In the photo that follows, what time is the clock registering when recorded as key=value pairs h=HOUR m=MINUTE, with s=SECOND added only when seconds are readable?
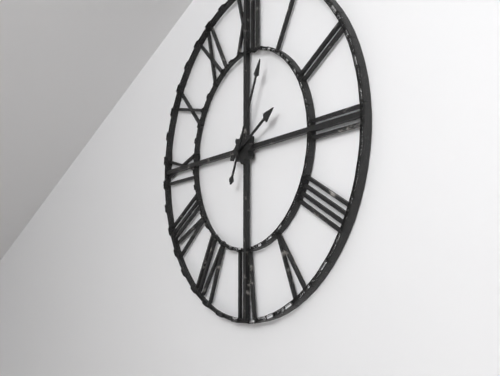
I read h=2 m=4
